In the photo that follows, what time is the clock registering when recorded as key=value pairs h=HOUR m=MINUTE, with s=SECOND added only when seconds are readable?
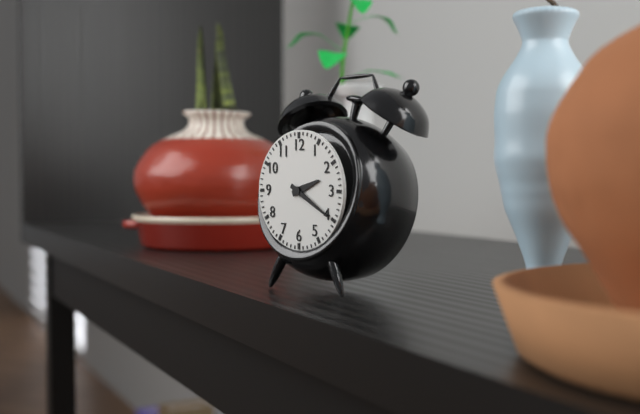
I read h=2 m=20
